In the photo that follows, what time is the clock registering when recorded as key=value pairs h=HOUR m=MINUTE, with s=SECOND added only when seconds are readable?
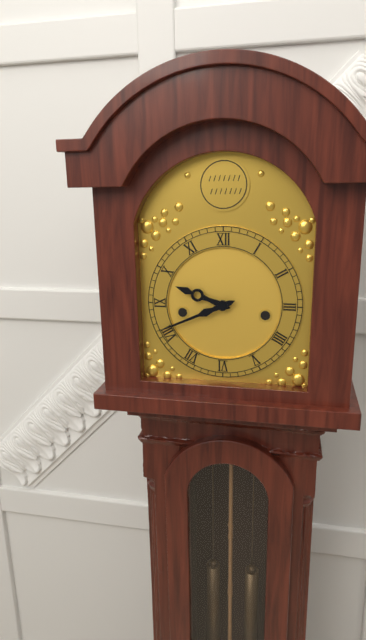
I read h=9 m=41
